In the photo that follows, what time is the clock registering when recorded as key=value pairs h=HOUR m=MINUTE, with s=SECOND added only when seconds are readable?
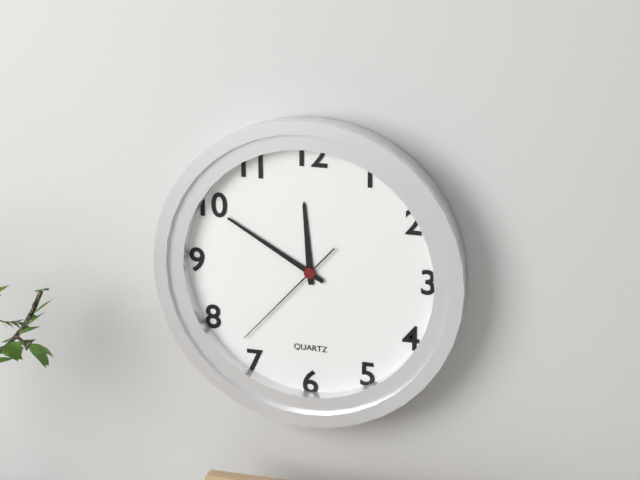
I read h=11 m=50 s=37
